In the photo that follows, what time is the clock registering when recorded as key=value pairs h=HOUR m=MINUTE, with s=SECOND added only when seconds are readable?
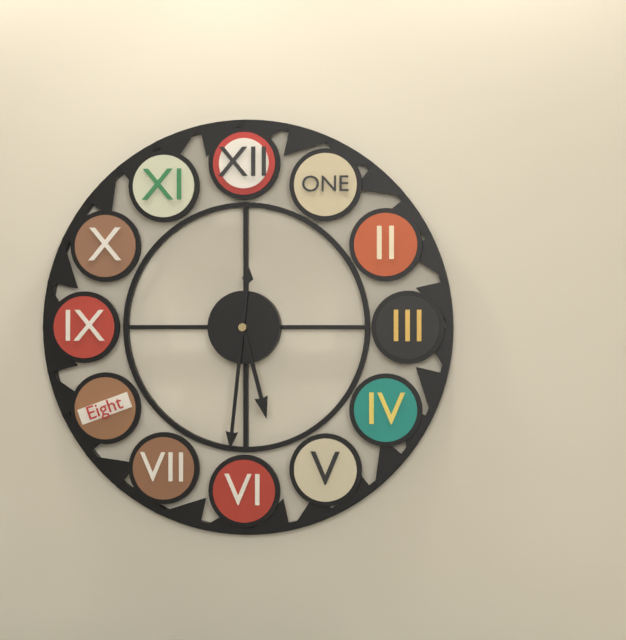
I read h=5 m=31
